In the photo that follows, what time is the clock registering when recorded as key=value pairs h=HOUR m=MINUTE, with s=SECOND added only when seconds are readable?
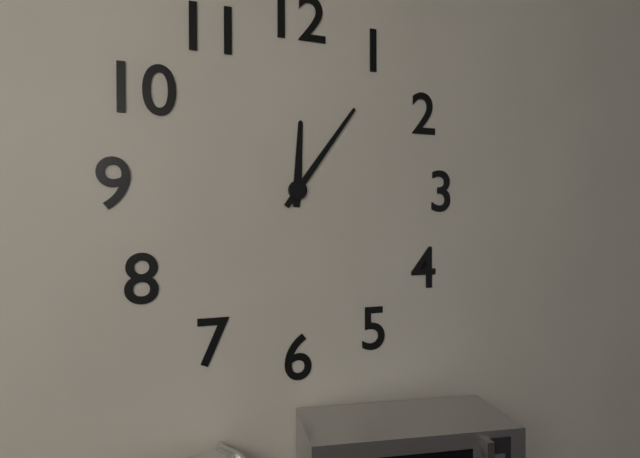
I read h=12 m=6
